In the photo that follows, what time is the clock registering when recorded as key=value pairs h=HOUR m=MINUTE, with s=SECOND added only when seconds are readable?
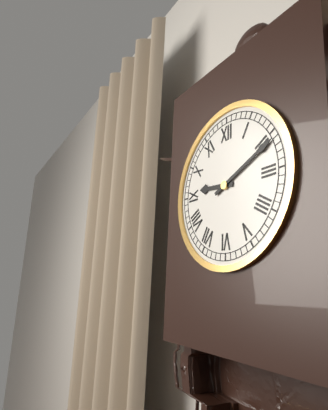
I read h=9 m=11
